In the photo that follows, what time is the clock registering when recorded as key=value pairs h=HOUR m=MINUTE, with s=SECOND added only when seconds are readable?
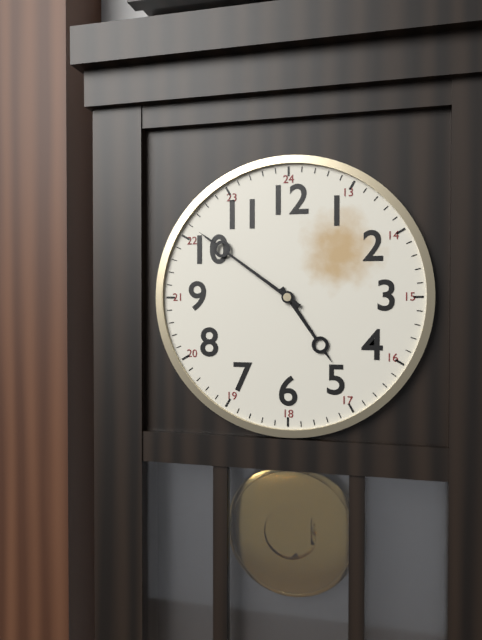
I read h=4 m=51
